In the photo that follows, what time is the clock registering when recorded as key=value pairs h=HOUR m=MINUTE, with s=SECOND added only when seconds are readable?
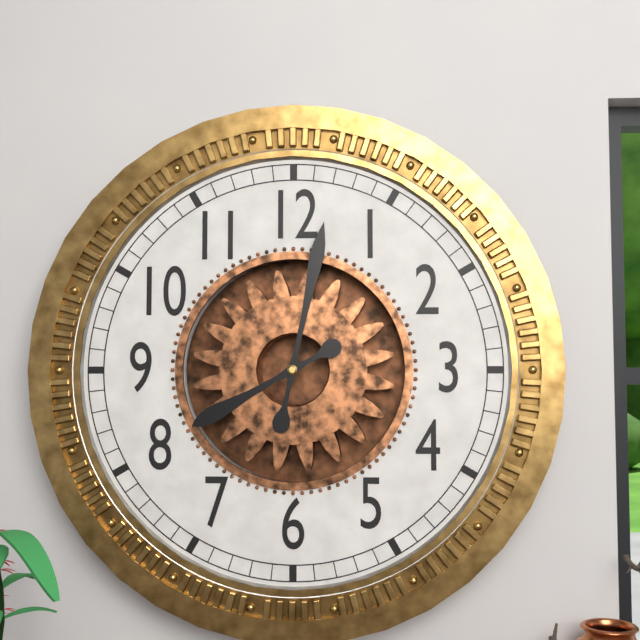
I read h=8 m=2
